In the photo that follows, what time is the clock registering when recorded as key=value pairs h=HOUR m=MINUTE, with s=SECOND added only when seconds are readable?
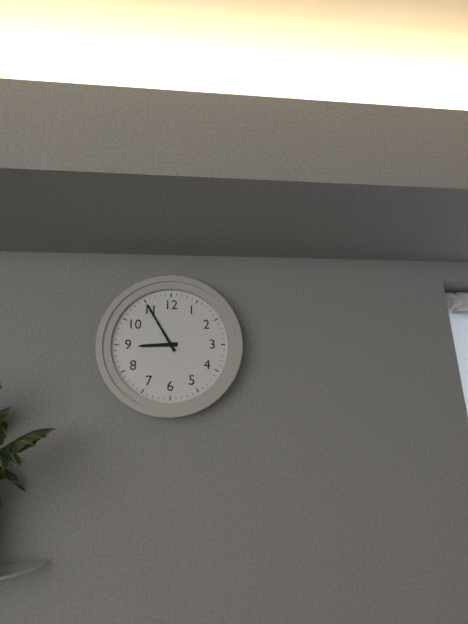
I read h=8 m=55
